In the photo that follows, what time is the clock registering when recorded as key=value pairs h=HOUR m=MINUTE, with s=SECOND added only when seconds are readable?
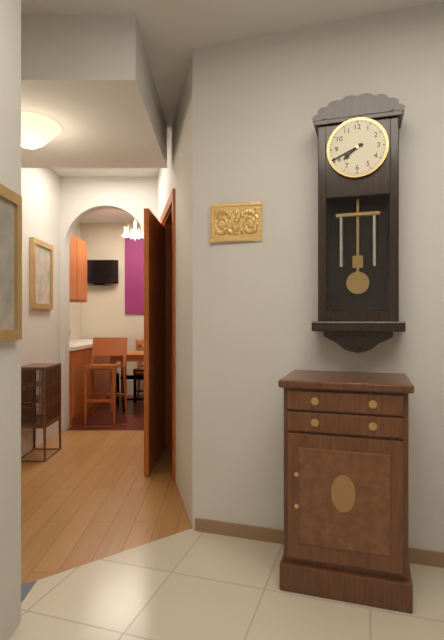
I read h=7 m=41
